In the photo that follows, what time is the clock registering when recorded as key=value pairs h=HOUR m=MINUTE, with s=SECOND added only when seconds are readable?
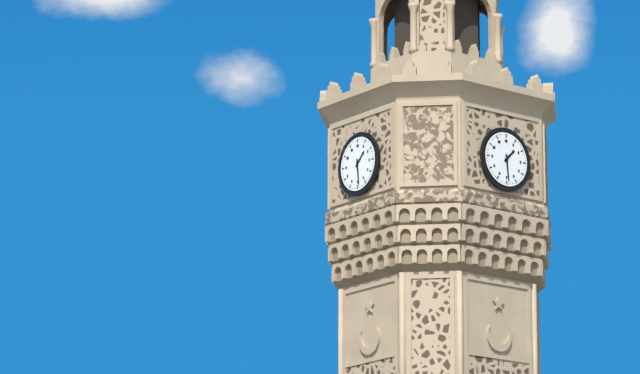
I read h=1 m=29
